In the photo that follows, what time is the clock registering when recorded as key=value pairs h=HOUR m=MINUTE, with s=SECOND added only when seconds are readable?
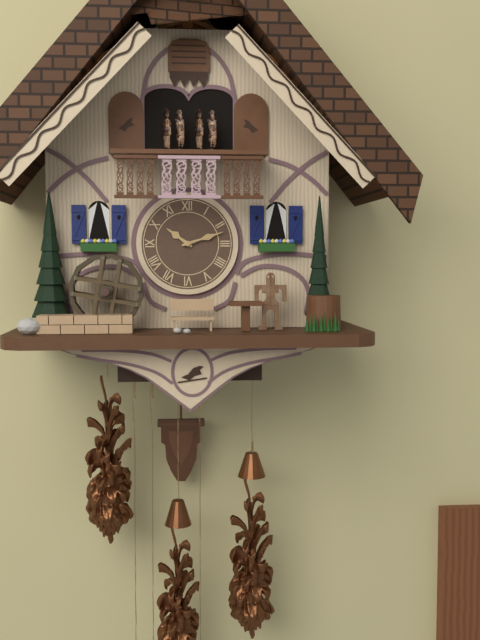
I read h=10 m=12
